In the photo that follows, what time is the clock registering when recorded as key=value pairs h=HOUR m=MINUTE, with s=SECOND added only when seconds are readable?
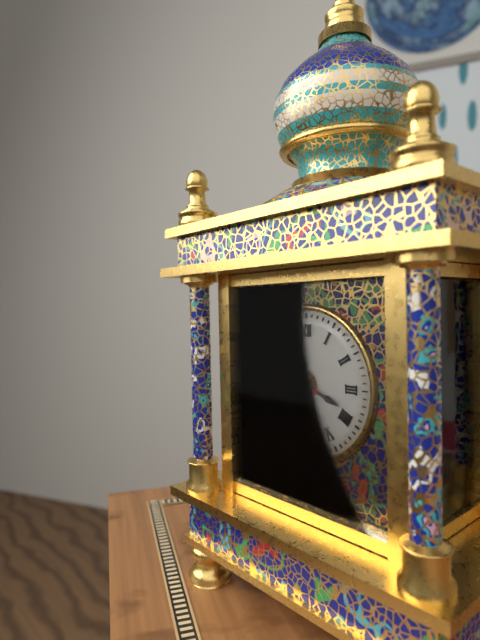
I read h=3 m=42 s=48
